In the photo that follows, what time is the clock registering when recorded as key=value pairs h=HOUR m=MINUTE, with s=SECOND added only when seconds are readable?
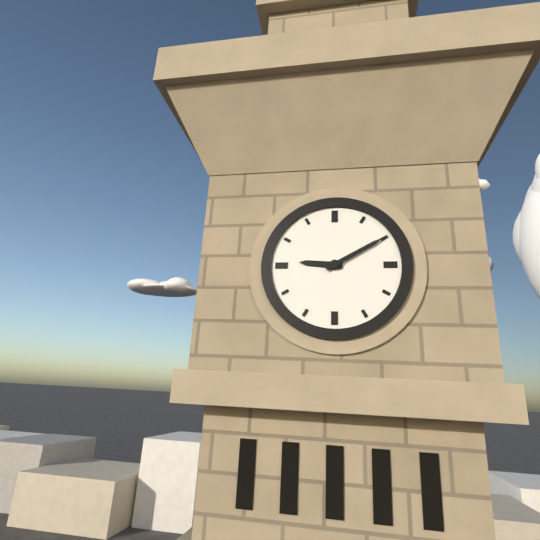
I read h=9 m=10
